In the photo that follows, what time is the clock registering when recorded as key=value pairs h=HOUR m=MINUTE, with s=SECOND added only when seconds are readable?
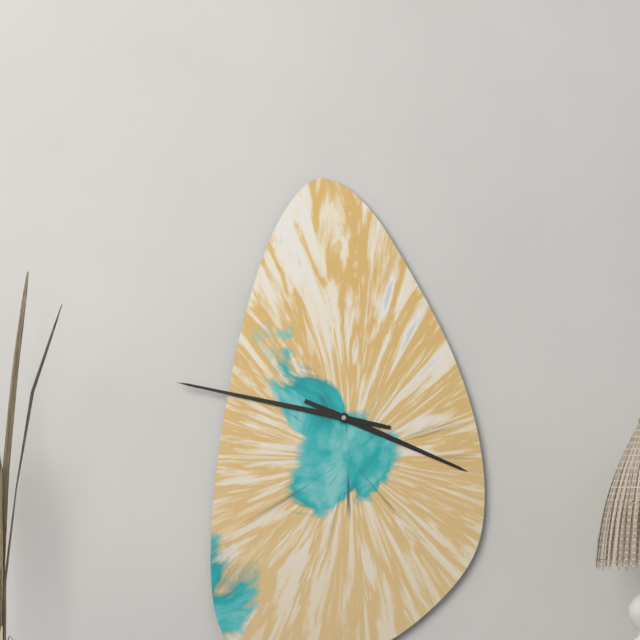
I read h=3 m=47
